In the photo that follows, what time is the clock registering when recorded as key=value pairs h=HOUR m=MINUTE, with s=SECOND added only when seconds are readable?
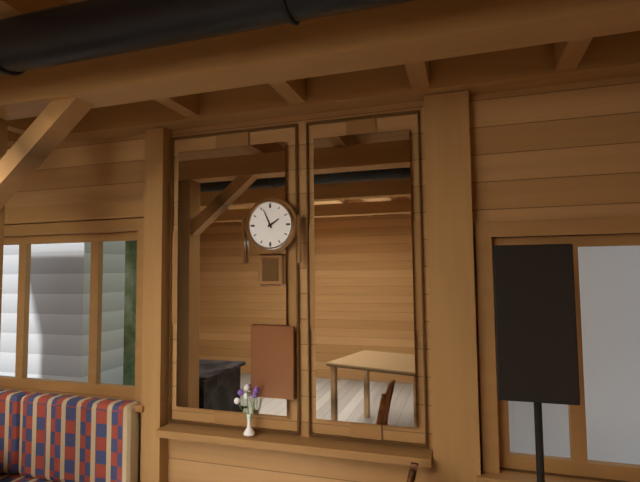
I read h=1 m=56
